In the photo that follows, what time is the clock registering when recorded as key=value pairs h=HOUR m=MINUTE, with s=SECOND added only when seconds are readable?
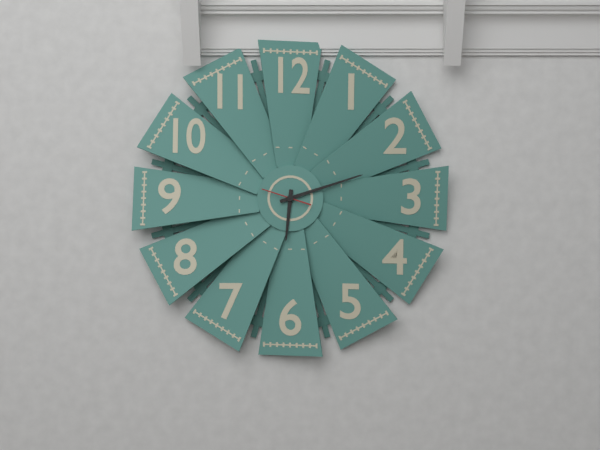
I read h=6 m=12
